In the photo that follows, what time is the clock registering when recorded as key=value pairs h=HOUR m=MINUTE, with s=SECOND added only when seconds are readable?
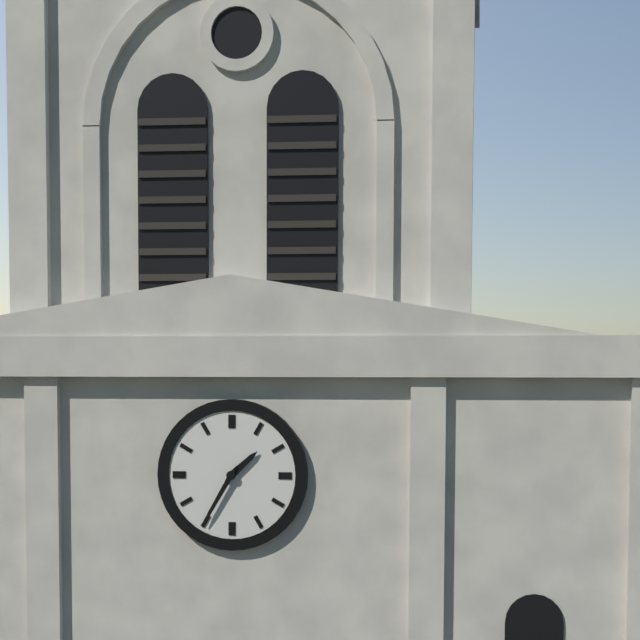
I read h=1 m=35
